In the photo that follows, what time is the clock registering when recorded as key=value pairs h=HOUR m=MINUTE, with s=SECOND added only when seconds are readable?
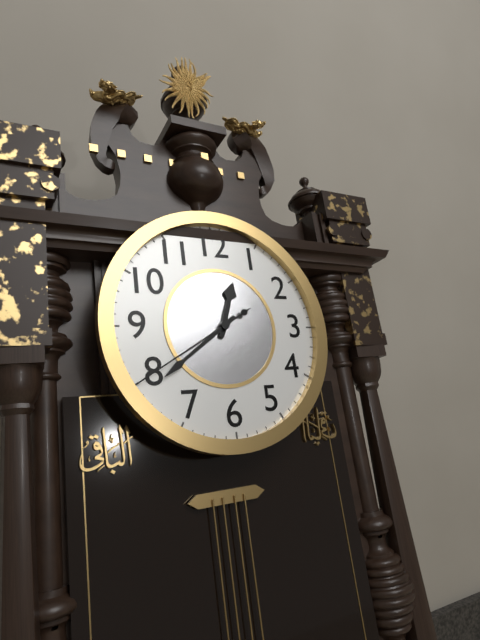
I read h=12 m=39 s=40
